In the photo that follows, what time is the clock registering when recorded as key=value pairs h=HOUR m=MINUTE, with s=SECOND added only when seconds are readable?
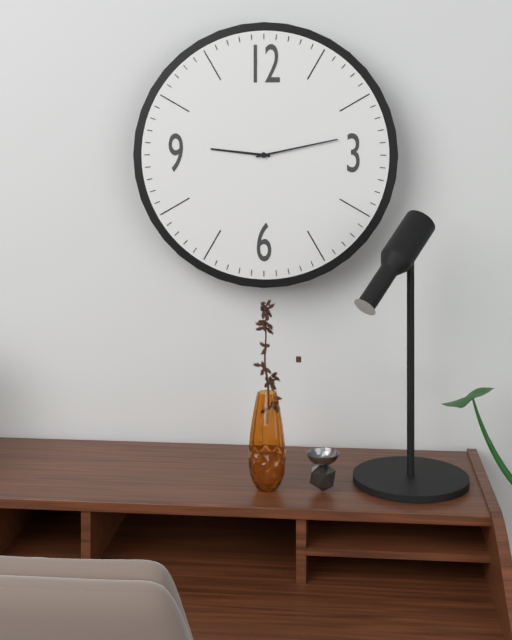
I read h=9 m=13
